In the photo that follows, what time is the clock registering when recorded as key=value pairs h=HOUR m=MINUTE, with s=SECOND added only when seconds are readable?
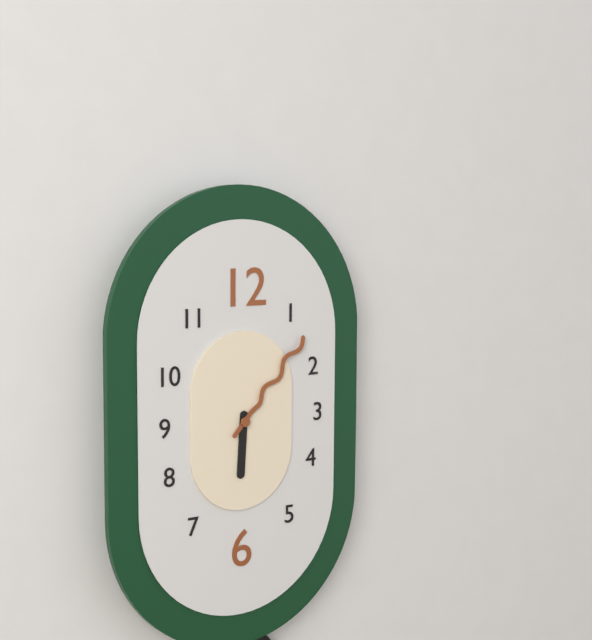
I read h=6 m=7
